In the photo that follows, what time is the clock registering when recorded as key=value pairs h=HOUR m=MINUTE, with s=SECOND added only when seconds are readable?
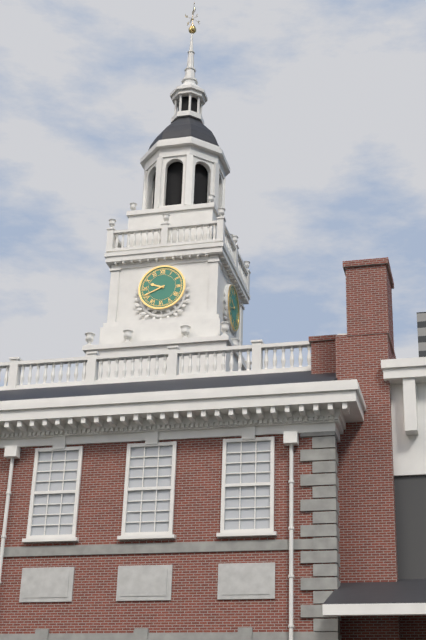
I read h=9 m=41
